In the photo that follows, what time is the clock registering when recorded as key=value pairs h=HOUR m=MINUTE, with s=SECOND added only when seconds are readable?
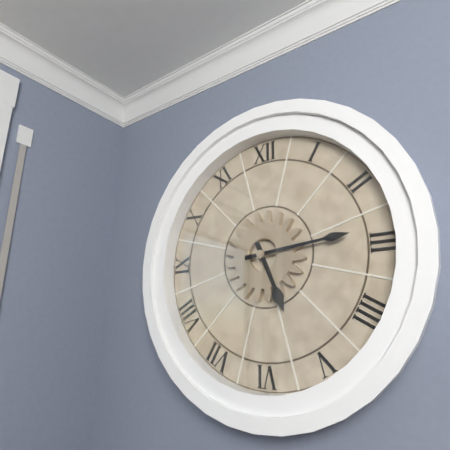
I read h=5 m=14
